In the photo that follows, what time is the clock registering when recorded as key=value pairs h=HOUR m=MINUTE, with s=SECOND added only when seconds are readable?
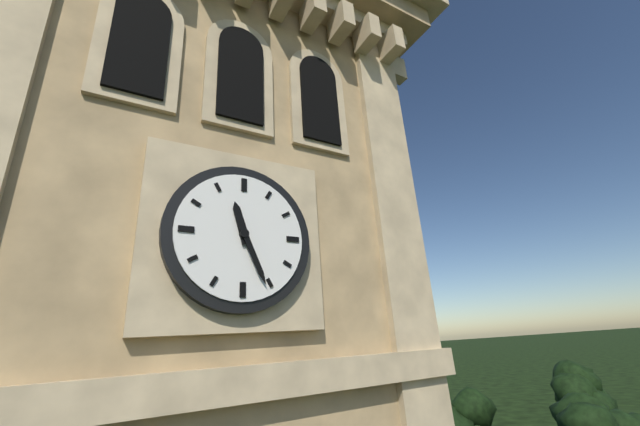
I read h=11 m=26
